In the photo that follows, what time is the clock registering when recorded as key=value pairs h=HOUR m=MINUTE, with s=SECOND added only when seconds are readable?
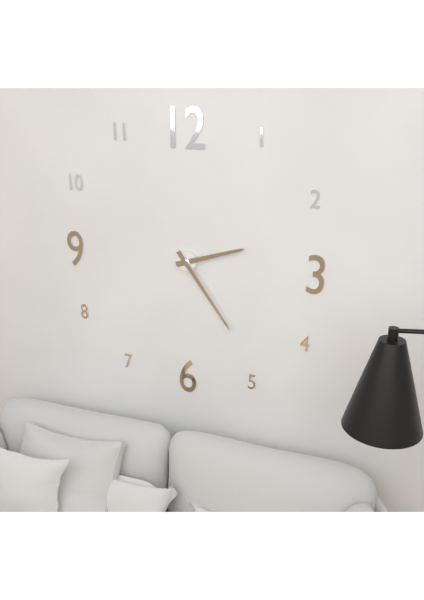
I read h=2 m=24
